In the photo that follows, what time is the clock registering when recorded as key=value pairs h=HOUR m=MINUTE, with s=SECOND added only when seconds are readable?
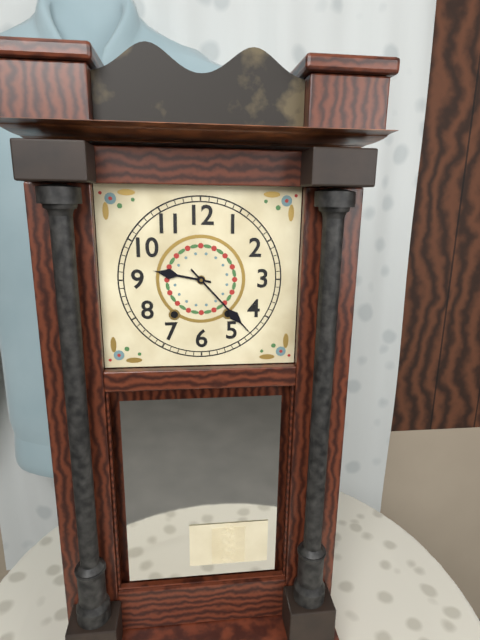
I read h=9 m=23
